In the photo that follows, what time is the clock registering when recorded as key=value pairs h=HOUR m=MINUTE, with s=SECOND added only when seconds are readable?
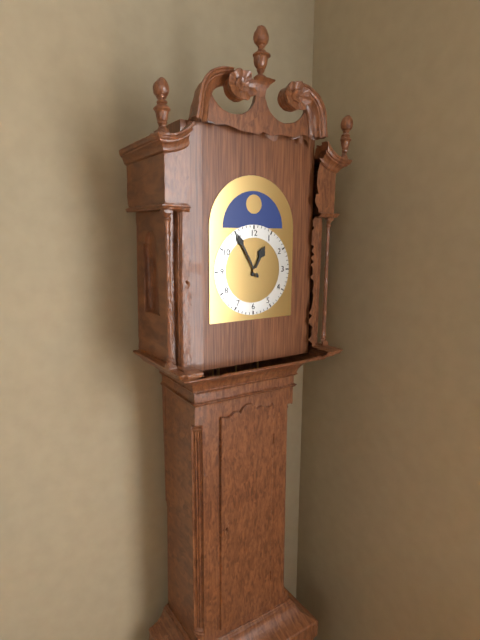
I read h=12 m=55
